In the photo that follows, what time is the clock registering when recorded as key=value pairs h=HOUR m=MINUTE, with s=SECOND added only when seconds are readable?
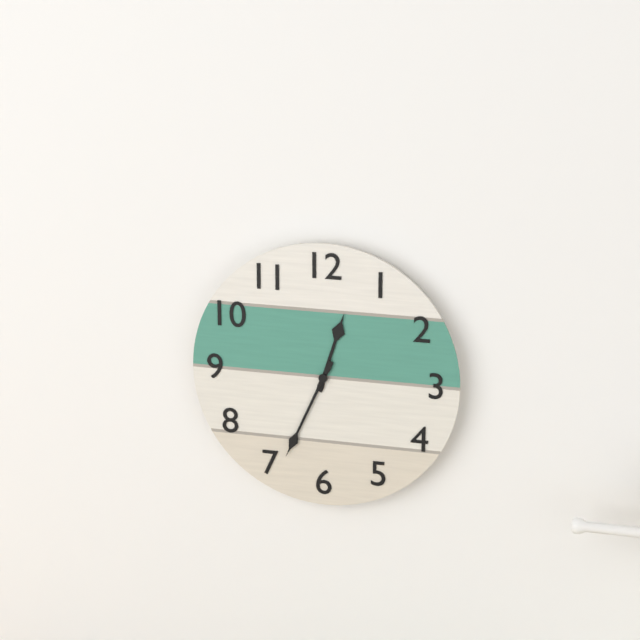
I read h=12 m=34
